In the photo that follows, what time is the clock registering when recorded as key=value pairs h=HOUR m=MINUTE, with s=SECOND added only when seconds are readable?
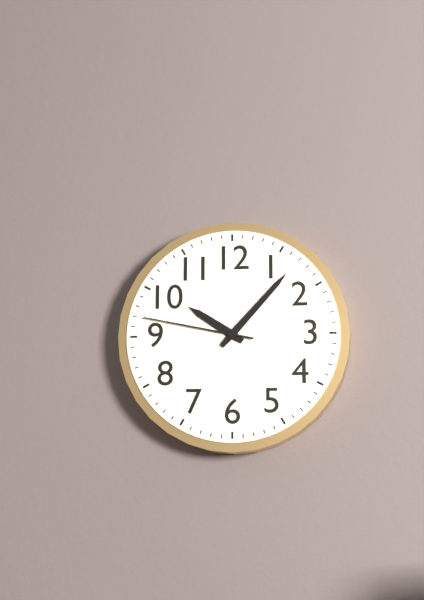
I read h=10 m=7 s=47
